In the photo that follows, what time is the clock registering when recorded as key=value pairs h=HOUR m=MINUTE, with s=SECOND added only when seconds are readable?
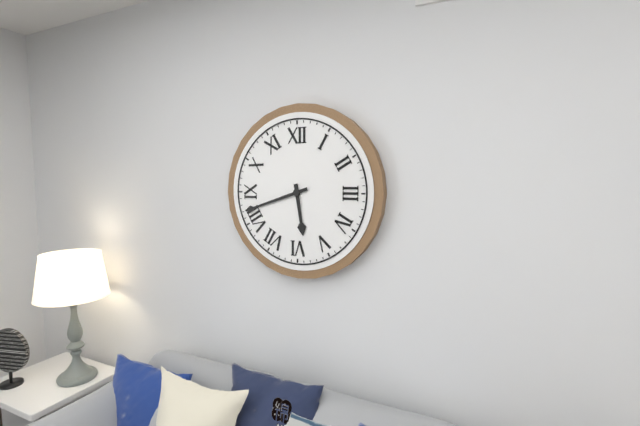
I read h=5 m=42
